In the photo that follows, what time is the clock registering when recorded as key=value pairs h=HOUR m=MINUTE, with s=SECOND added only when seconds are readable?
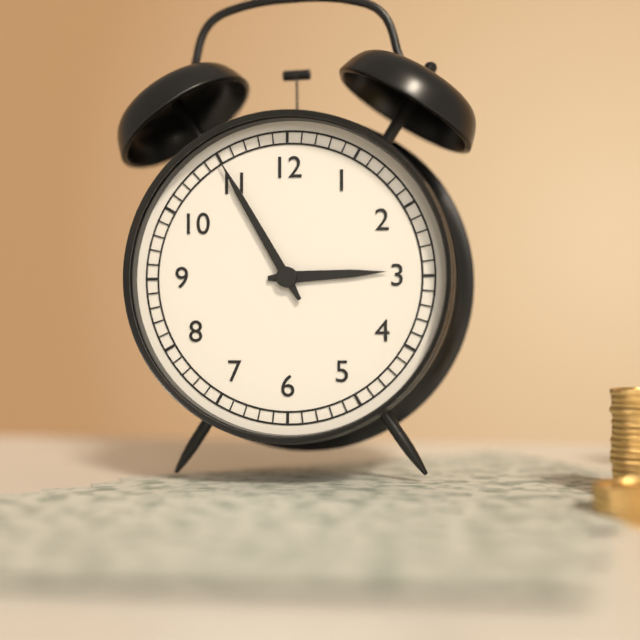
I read h=2 m=55
